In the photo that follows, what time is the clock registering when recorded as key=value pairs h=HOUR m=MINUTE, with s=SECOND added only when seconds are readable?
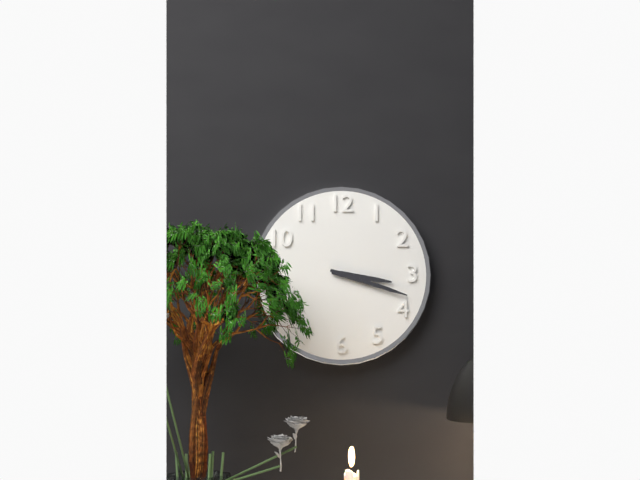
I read h=3 m=18
